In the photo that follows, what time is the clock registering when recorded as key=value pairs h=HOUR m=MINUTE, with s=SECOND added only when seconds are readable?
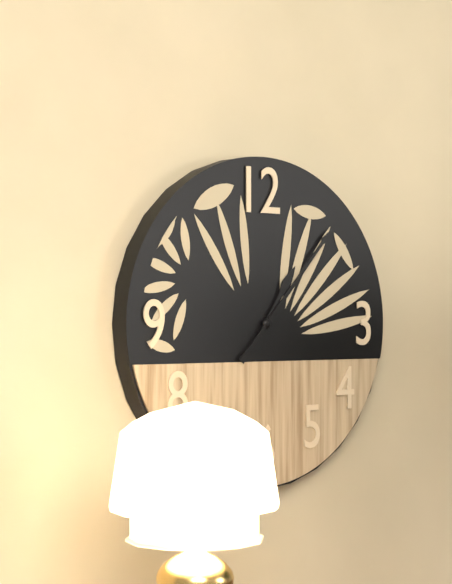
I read h=1 m=7
